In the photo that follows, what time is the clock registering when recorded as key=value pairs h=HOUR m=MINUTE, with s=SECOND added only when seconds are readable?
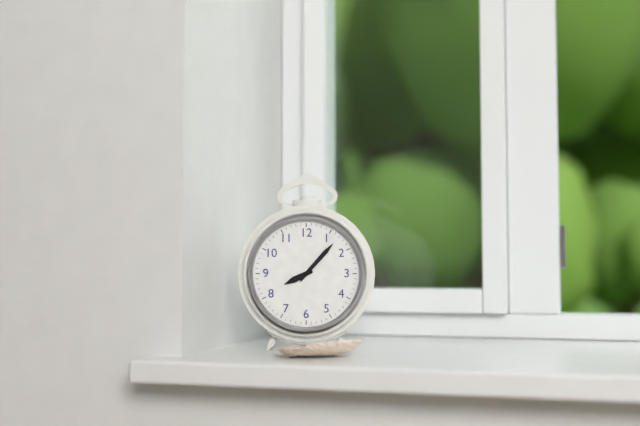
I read h=8 m=7
